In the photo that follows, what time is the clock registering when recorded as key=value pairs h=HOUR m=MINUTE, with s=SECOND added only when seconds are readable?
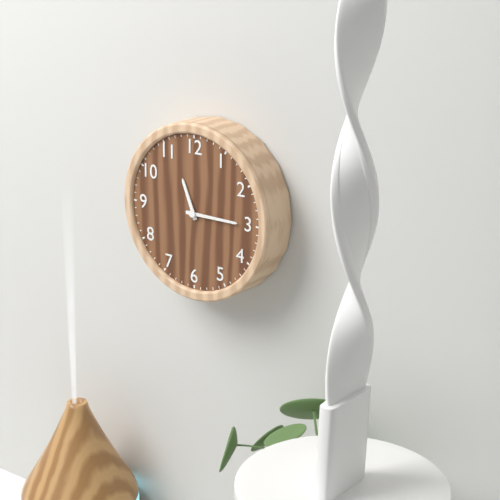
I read h=11 m=15
